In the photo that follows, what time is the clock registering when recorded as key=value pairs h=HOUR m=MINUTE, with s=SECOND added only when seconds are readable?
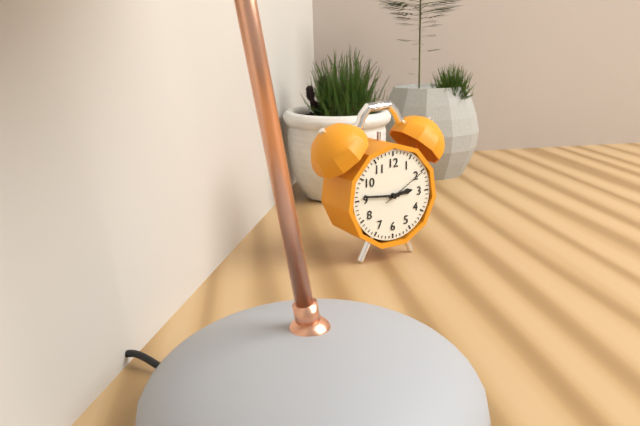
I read h=2 m=46
